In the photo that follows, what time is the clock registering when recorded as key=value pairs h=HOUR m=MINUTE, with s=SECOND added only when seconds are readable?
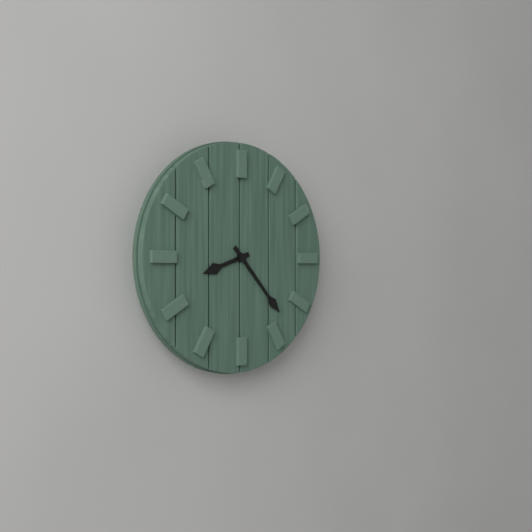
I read h=8 m=23
